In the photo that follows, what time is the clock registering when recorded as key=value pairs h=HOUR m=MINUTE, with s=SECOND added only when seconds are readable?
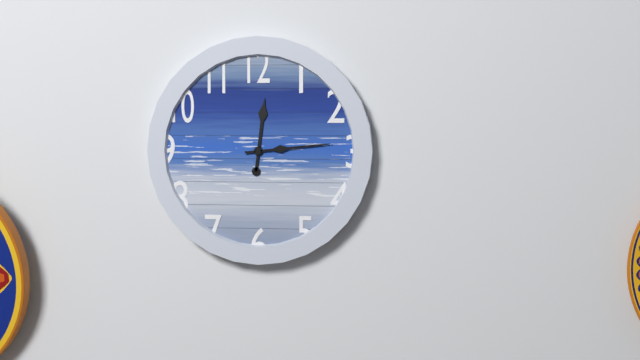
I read h=12 m=14
